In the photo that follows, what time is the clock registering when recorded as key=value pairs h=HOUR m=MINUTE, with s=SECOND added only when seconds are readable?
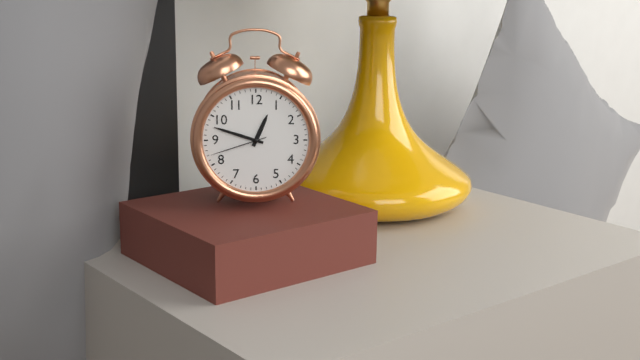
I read h=12 m=48 s=42
